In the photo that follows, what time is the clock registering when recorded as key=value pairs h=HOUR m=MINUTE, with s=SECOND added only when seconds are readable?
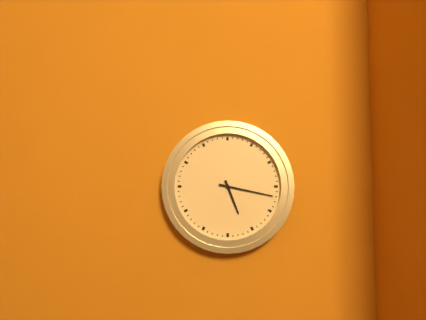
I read h=5 m=17
